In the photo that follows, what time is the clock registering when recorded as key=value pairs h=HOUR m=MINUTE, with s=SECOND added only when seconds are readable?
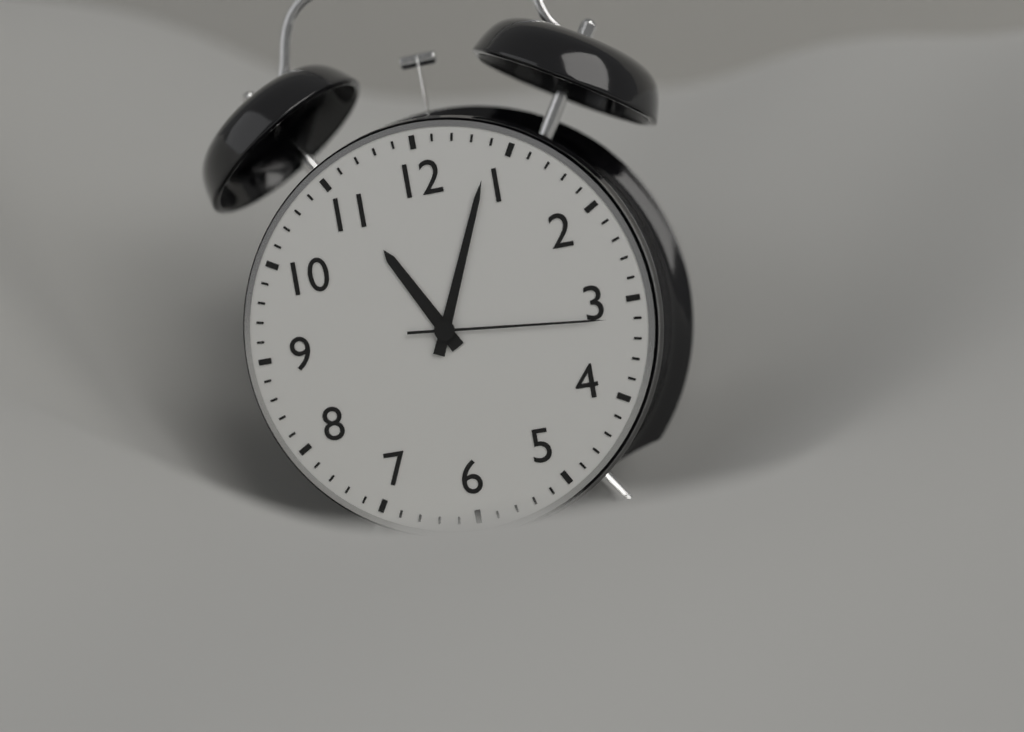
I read h=11 m=4 s=16
